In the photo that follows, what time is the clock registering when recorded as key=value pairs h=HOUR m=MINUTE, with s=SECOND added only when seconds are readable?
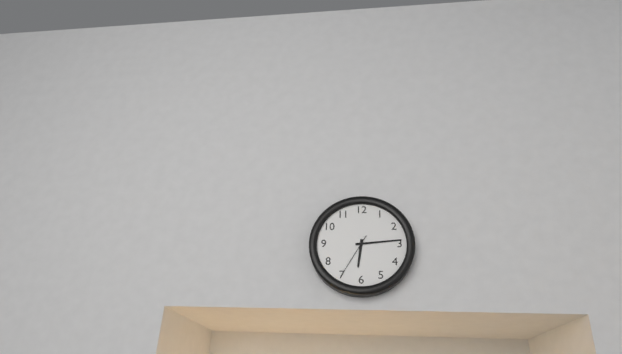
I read h=6 m=14
